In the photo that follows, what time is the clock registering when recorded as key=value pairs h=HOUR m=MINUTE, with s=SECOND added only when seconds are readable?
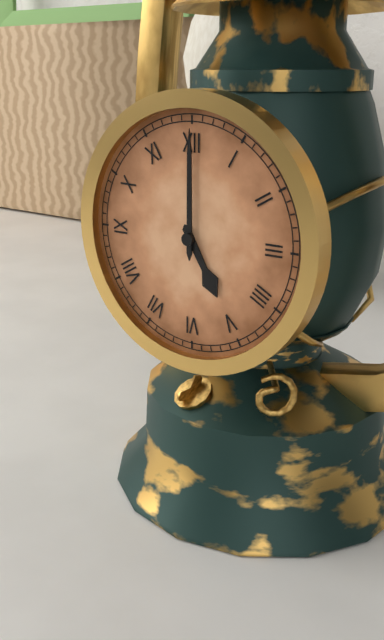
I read h=5 m=0
